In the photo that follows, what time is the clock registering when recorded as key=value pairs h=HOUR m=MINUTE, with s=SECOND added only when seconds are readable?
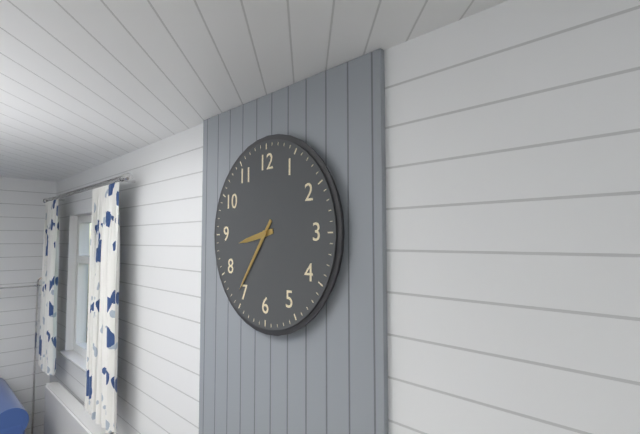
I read h=8 m=36
